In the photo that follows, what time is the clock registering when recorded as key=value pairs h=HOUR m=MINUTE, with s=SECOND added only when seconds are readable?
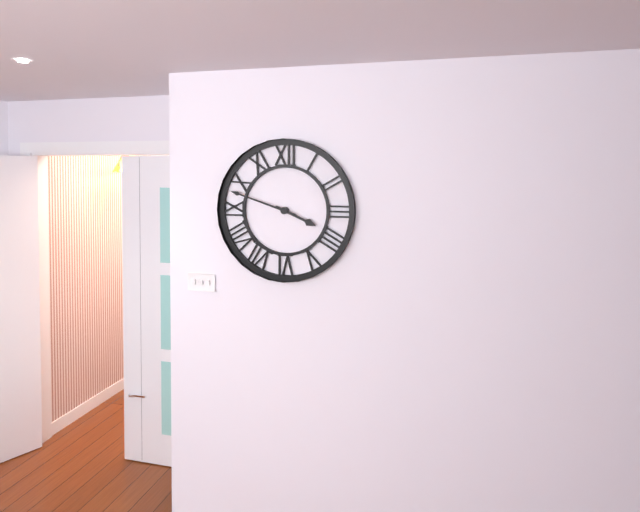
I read h=3 m=48
